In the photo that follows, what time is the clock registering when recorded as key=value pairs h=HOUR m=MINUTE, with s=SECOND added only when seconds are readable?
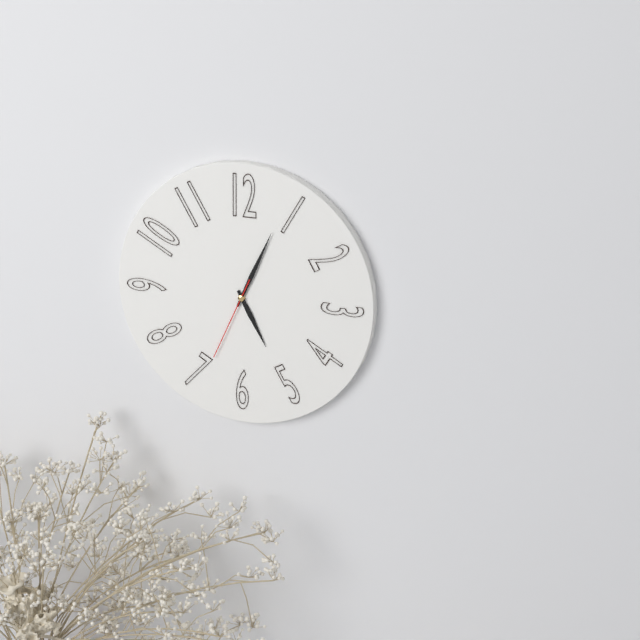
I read h=5 m=4 s=34
